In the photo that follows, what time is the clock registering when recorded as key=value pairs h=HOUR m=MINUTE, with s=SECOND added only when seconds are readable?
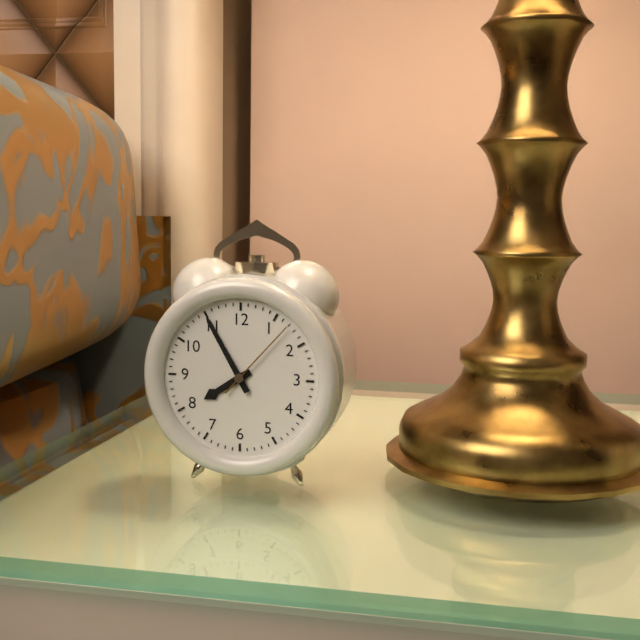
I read h=7 m=55 s=7
